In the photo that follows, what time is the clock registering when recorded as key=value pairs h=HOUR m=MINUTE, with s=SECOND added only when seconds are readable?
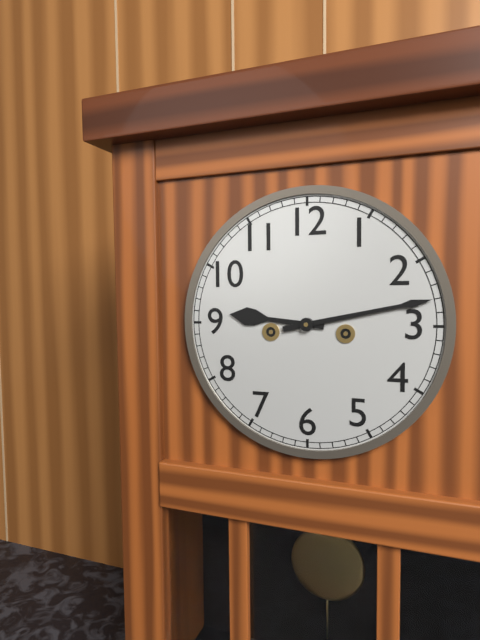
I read h=9 m=13
